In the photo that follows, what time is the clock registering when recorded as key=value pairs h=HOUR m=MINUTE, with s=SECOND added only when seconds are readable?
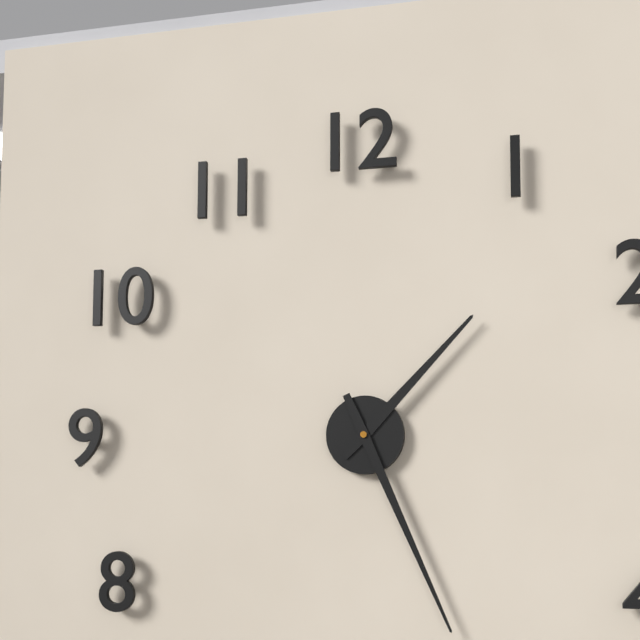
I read h=1 m=26
